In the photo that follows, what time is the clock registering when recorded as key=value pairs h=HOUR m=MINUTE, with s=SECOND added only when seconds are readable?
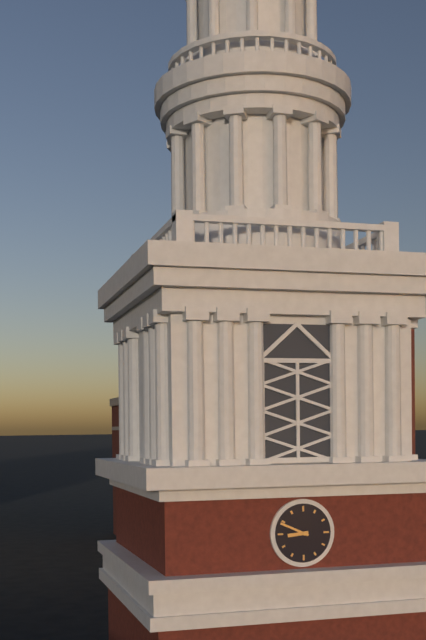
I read h=8 m=49
